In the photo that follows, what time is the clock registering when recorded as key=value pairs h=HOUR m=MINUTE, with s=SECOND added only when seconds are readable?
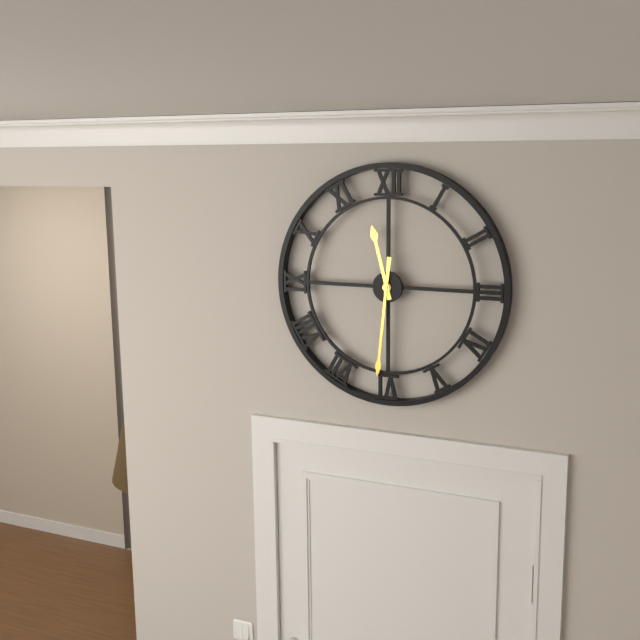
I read h=11 m=31
